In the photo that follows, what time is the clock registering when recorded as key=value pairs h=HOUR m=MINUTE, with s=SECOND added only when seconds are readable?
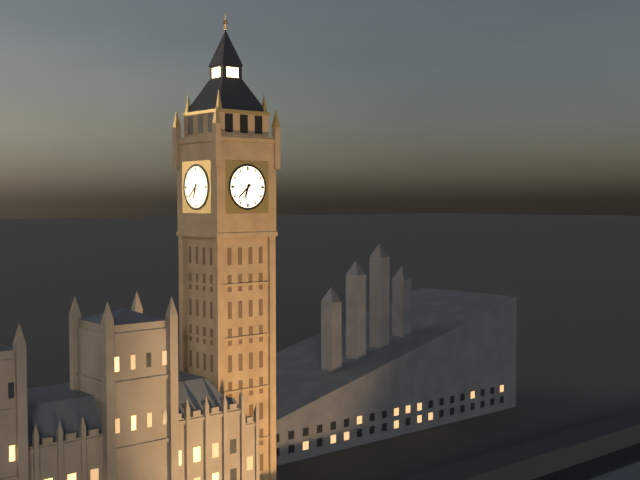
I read h=6 m=38
